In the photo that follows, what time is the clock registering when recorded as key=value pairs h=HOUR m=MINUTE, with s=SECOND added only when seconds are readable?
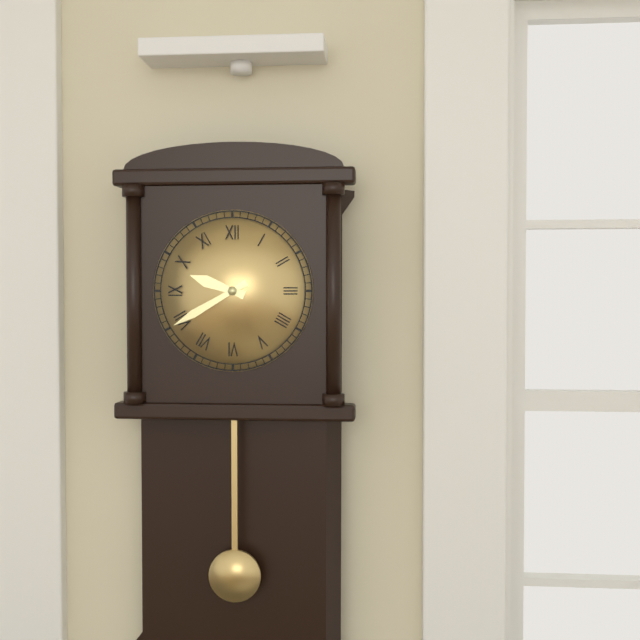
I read h=9 m=40
